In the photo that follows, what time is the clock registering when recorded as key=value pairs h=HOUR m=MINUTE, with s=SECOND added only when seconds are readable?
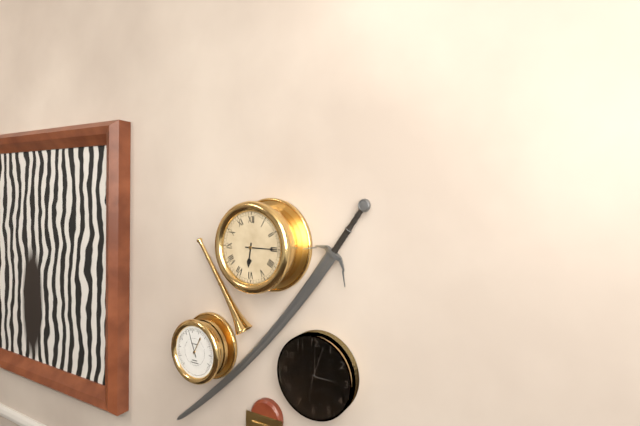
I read h=6 m=15
